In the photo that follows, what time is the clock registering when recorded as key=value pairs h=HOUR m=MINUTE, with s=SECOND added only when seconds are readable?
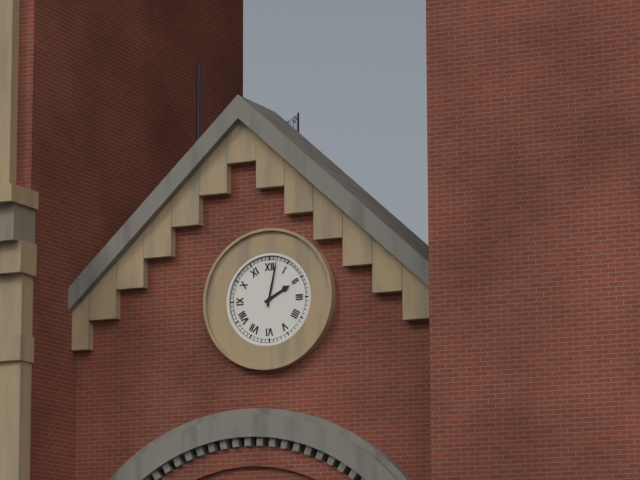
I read h=2 m=2
